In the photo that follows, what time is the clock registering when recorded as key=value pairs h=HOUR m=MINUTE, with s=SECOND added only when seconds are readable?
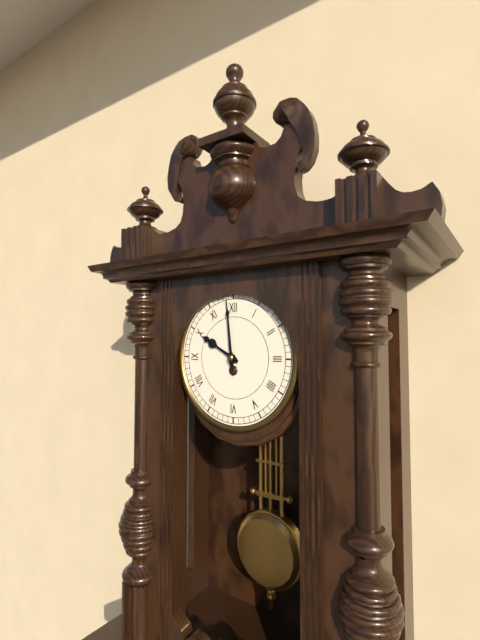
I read h=9 m=59
